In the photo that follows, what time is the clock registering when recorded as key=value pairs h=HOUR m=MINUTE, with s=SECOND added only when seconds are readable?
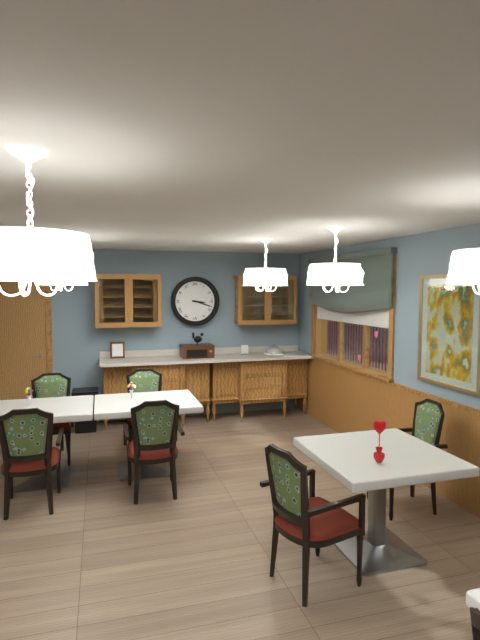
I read h=3 m=18
